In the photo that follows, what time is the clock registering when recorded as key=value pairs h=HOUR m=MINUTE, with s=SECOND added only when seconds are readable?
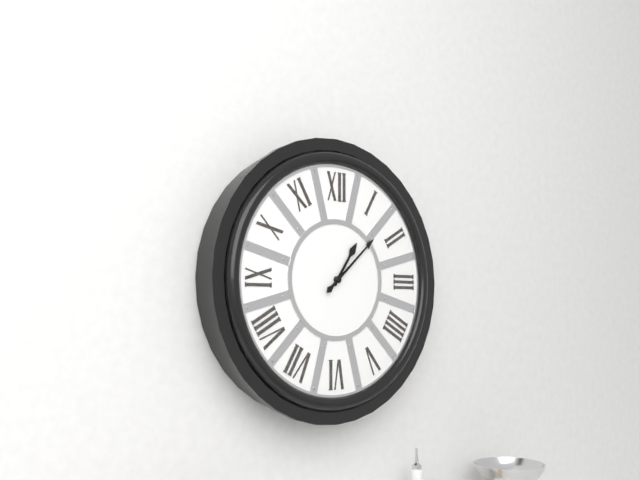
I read h=1 m=8
